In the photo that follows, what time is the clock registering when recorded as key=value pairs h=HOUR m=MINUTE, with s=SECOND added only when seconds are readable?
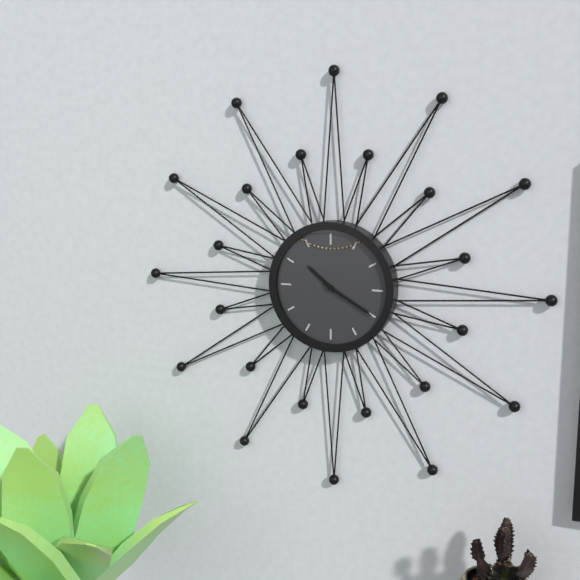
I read h=10 m=20
